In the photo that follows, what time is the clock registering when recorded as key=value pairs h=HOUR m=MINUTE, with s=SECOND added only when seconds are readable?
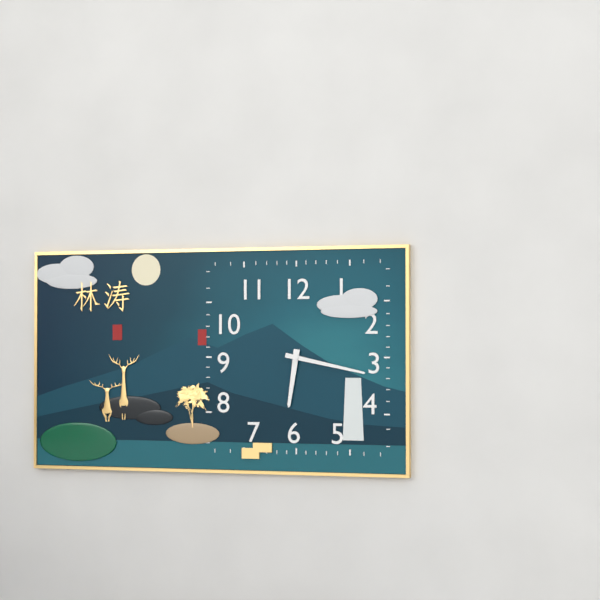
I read h=6 m=17
